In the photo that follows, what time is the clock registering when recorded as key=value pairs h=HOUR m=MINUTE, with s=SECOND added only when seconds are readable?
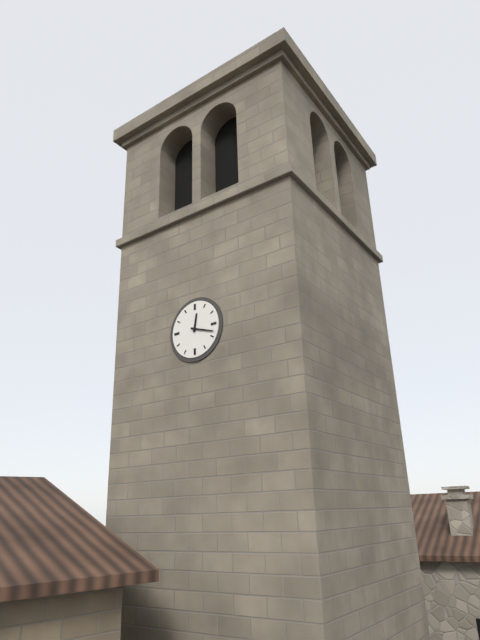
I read h=12 m=18
